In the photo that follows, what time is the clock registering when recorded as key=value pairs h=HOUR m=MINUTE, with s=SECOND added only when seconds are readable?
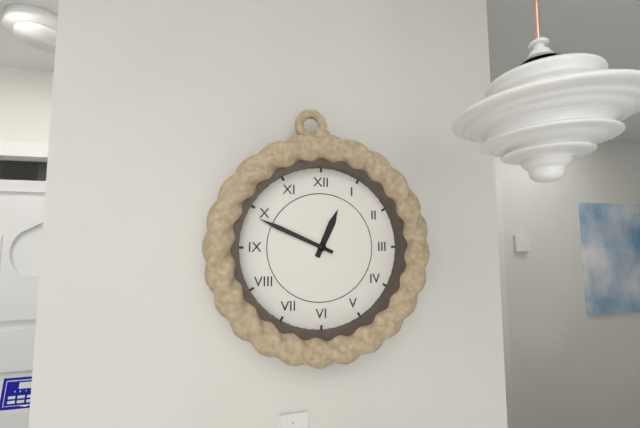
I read h=12 m=49
